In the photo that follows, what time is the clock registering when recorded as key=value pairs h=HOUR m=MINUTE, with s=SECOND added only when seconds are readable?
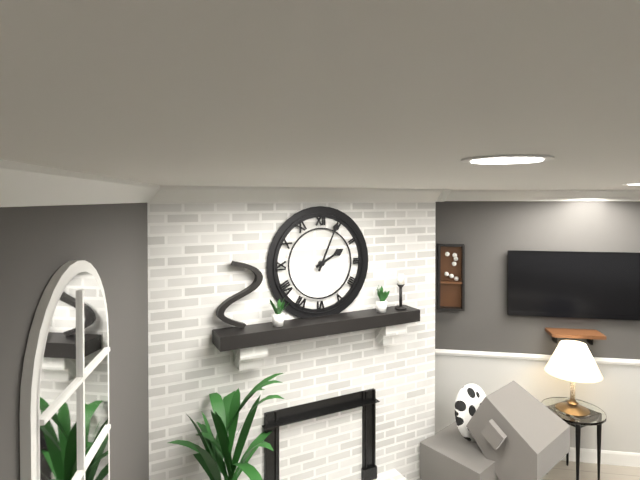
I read h=2 m=4
